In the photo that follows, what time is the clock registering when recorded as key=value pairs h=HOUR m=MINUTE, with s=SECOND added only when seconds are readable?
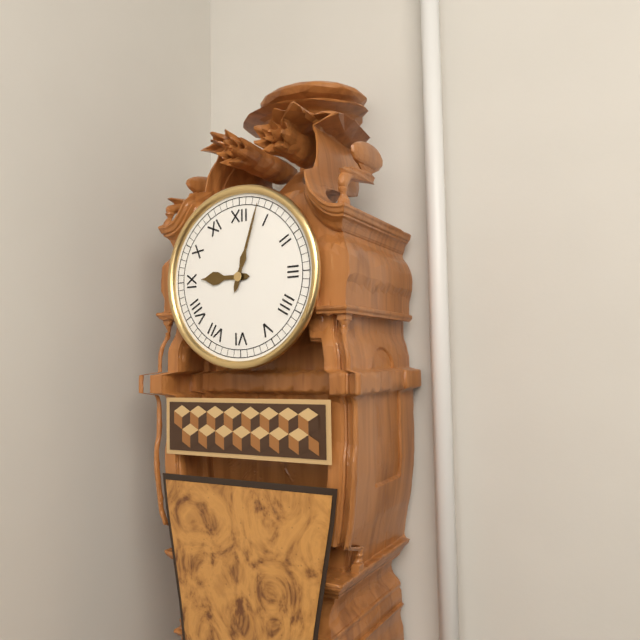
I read h=9 m=3
